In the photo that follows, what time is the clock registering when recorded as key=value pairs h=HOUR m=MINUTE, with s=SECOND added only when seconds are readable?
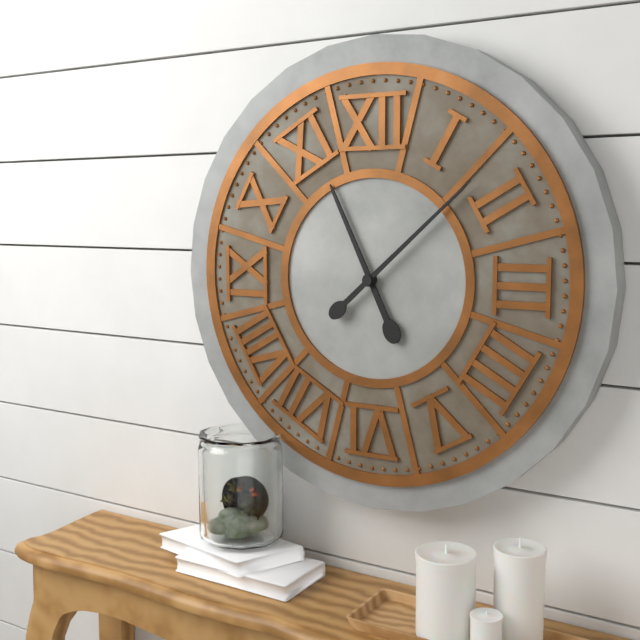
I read h=11 m=8
